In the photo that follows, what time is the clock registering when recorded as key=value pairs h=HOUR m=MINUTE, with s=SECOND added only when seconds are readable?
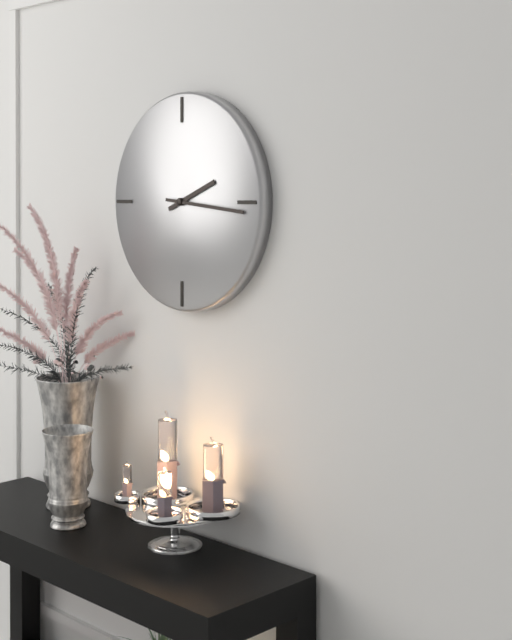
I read h=2 m=16
